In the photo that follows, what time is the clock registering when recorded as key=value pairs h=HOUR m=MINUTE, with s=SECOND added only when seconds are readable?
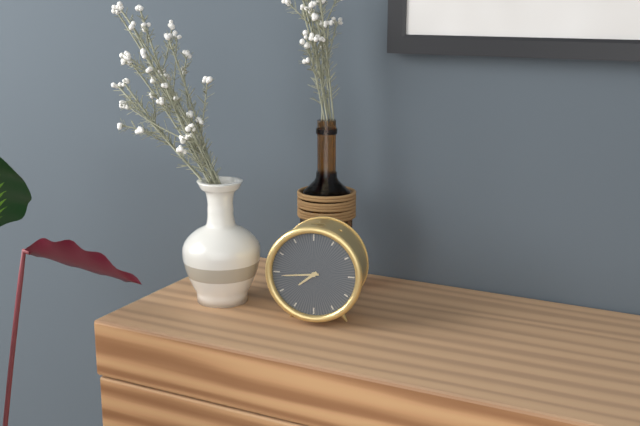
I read h=7 m=44
